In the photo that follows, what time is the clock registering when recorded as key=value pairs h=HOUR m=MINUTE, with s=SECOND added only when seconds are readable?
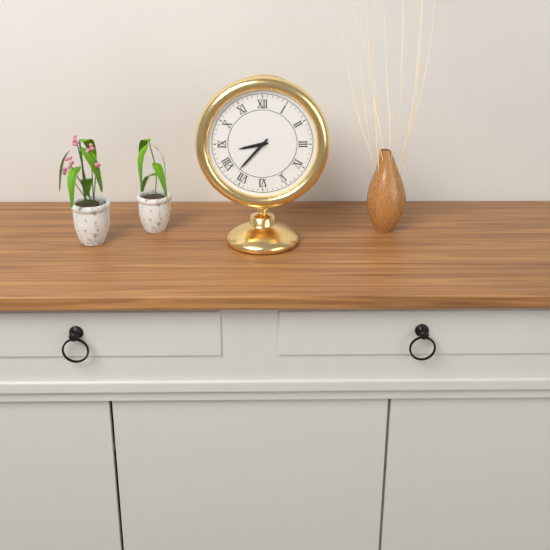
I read h=8 m=37
